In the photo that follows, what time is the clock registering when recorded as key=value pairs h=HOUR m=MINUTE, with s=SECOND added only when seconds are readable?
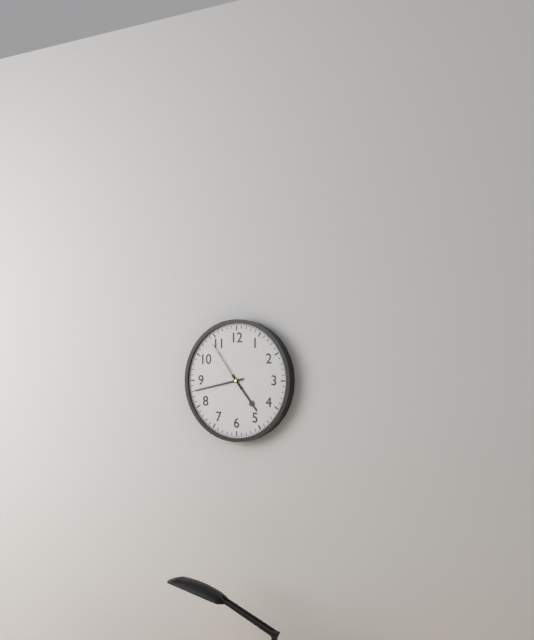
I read h=4 m=43 s=54
